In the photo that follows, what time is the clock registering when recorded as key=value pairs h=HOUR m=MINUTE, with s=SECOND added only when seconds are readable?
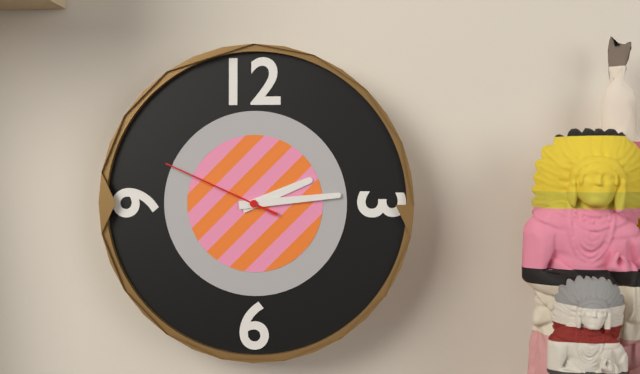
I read h=2 m=14 s=49
